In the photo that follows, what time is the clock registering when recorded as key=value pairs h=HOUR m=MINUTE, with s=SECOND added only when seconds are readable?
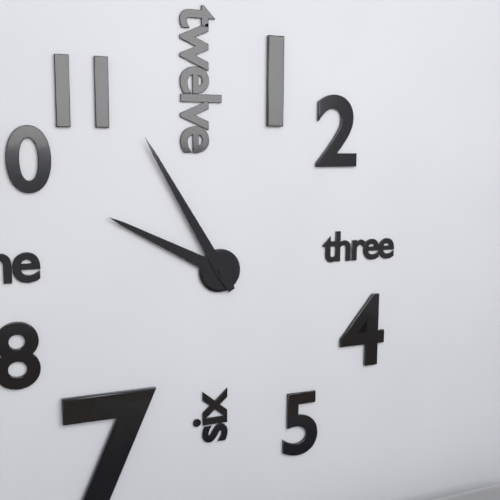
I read h=9 m=55
